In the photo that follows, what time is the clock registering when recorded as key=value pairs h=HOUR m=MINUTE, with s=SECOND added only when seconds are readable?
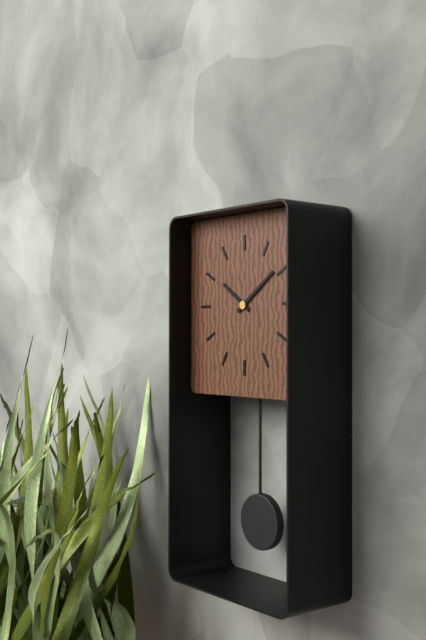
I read h=10 m=9
